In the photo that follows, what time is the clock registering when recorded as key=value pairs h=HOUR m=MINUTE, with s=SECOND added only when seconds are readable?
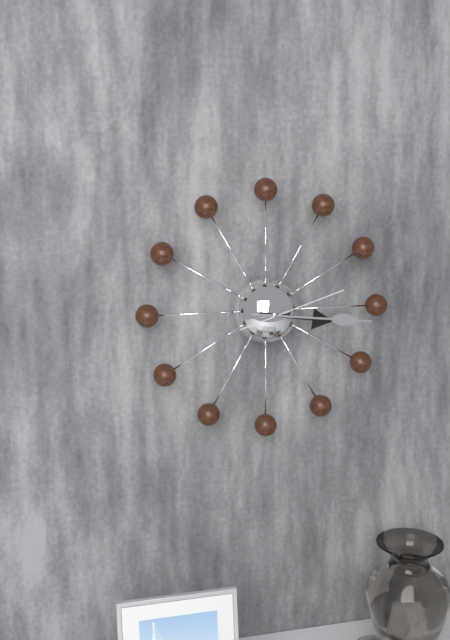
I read h=3 m=16 s=12
